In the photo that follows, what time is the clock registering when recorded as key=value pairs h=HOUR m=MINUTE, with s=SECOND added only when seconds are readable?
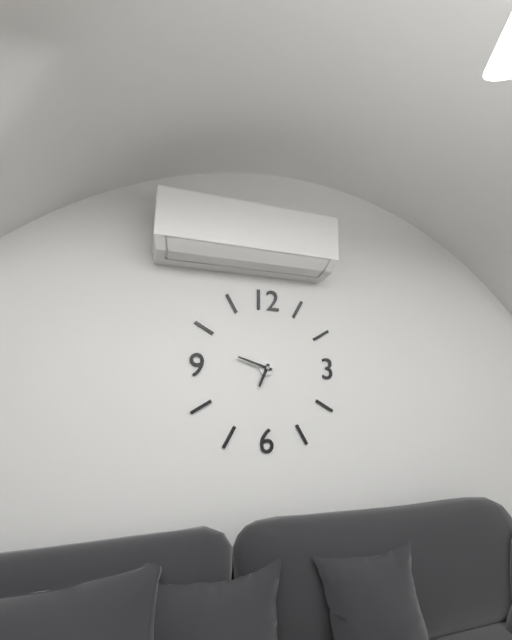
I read h=6 m=48
